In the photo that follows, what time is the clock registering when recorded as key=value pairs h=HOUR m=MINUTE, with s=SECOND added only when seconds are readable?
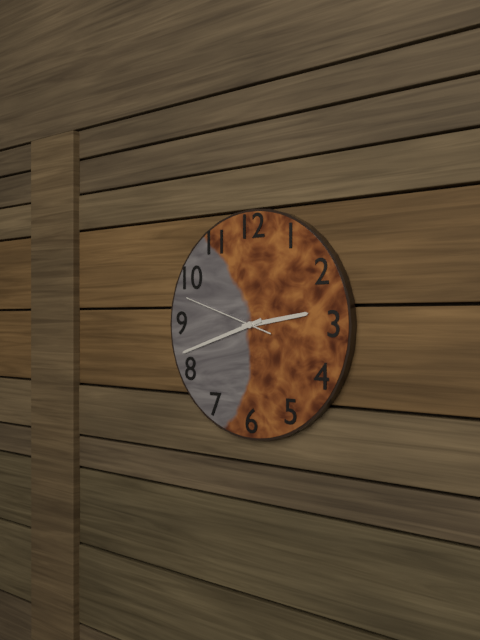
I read h=2 m=42 s=48
